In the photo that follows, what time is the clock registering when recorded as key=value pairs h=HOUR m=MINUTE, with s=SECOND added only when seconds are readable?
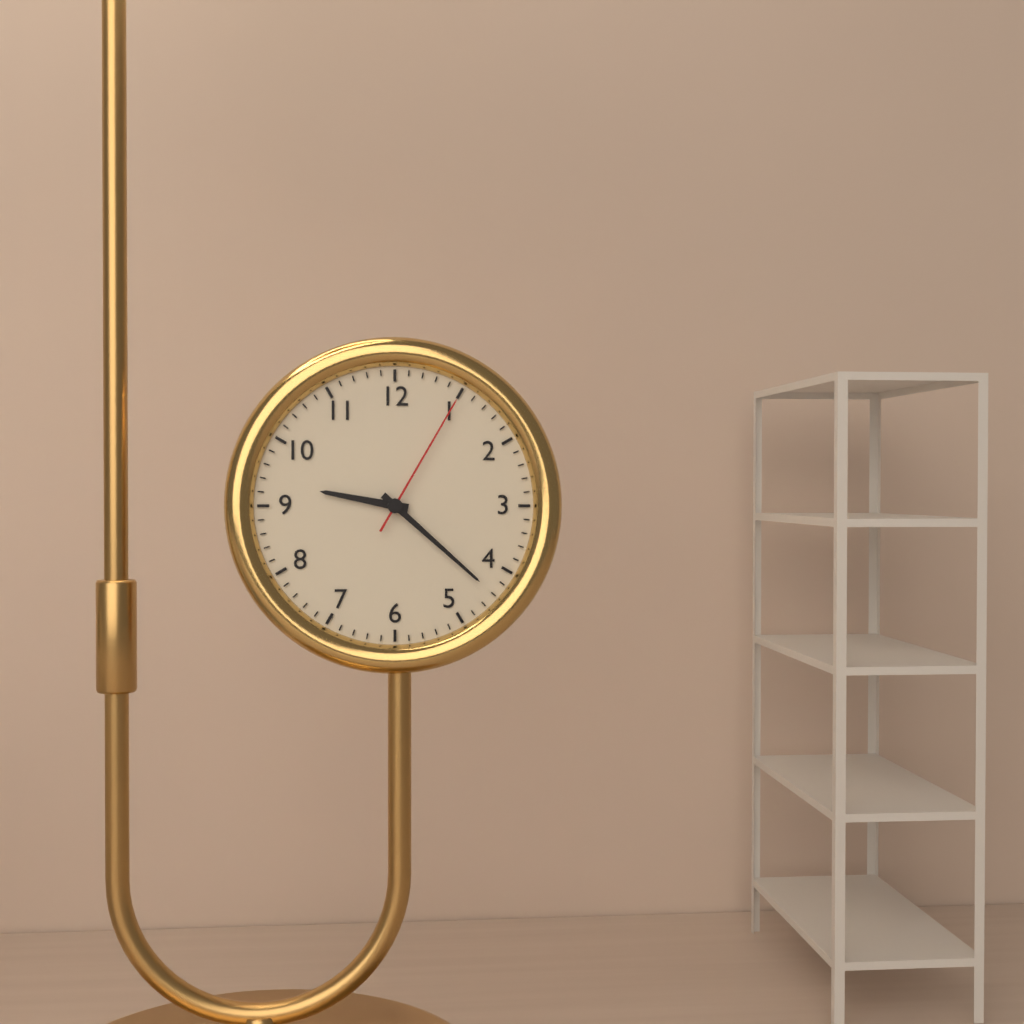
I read h=9 m=22 s=5
